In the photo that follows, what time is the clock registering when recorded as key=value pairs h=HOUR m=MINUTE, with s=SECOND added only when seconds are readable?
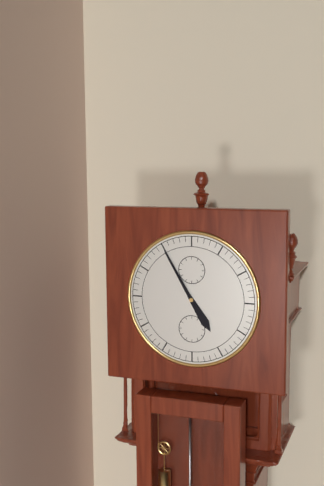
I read h=4 m=55
